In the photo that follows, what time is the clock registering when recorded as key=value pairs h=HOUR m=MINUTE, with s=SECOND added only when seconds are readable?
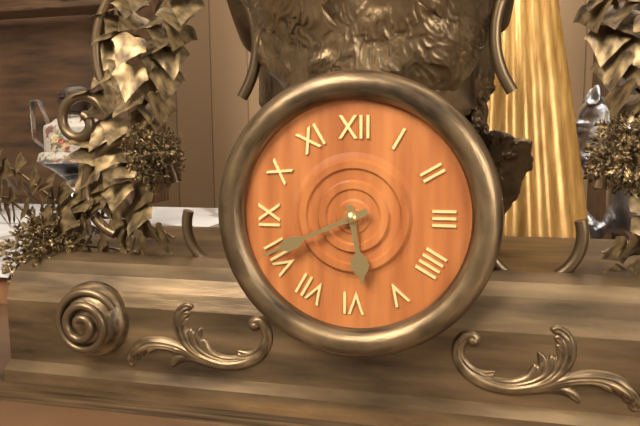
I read h=5 m=41
